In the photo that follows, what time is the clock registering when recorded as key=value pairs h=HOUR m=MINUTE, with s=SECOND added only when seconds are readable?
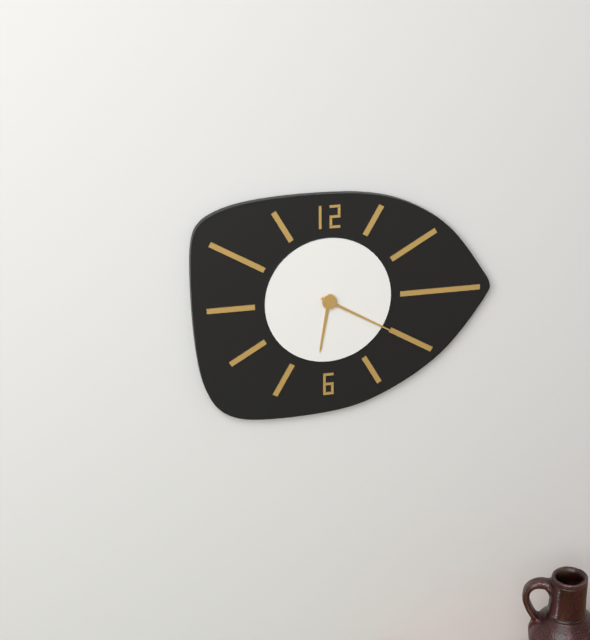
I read h=6 m=20
